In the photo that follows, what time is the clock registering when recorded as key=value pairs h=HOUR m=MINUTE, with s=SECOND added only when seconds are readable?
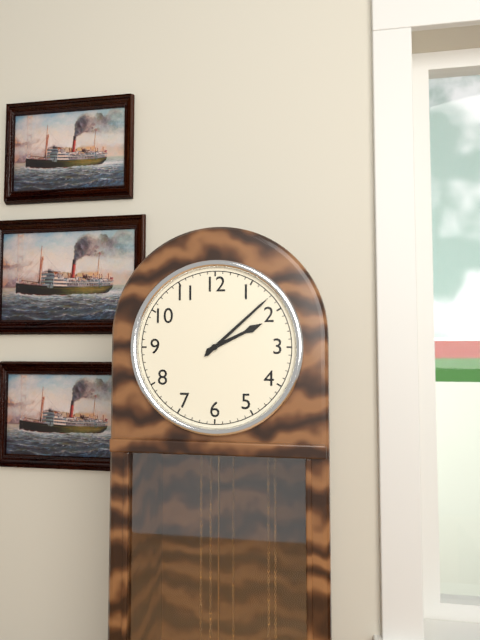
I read h=2 m=8
